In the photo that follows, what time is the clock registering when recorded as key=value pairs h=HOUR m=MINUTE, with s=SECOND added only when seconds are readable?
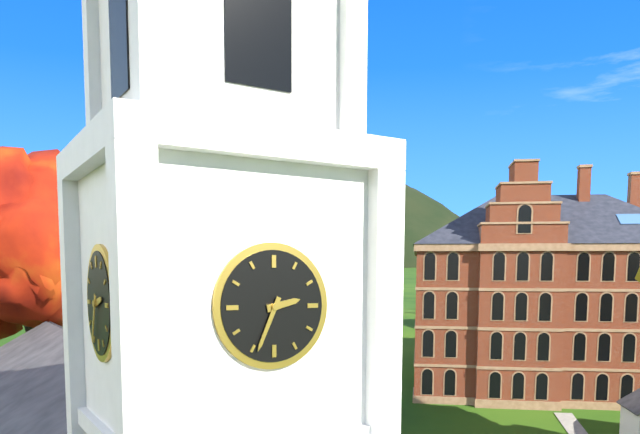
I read h=2 m=34
